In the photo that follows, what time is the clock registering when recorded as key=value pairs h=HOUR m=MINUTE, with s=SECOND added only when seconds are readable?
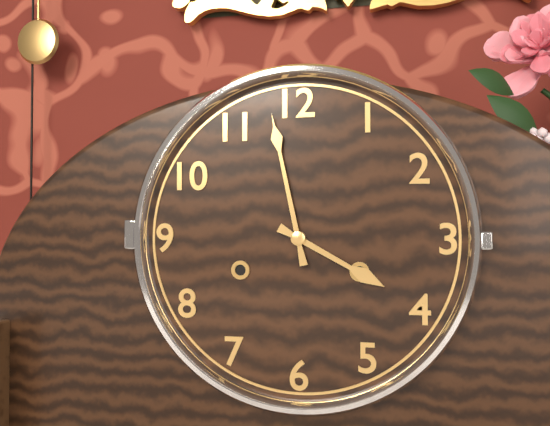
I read h=3 m=58
